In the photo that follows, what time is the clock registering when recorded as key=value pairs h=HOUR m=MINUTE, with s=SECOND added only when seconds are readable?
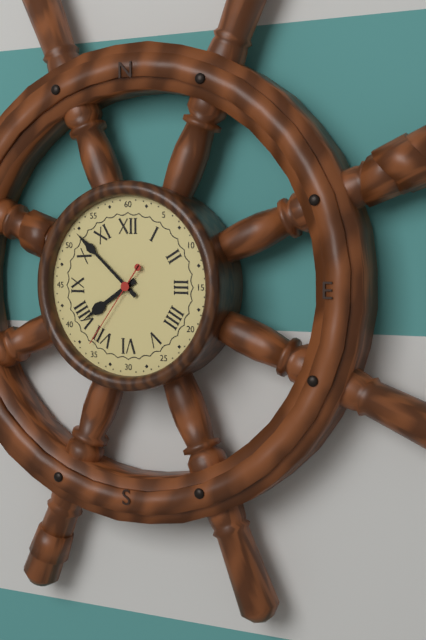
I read h=7 m=52 s=36
